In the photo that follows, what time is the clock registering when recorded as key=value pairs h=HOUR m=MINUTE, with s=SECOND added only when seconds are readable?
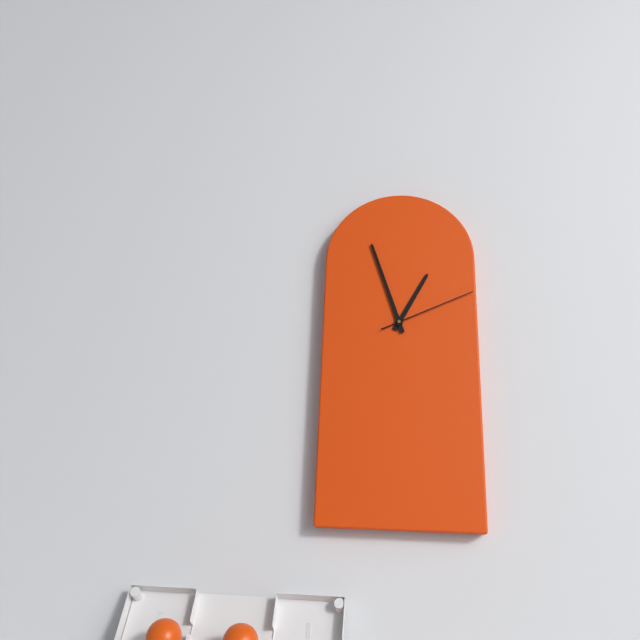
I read h=12 m=57 s=11
